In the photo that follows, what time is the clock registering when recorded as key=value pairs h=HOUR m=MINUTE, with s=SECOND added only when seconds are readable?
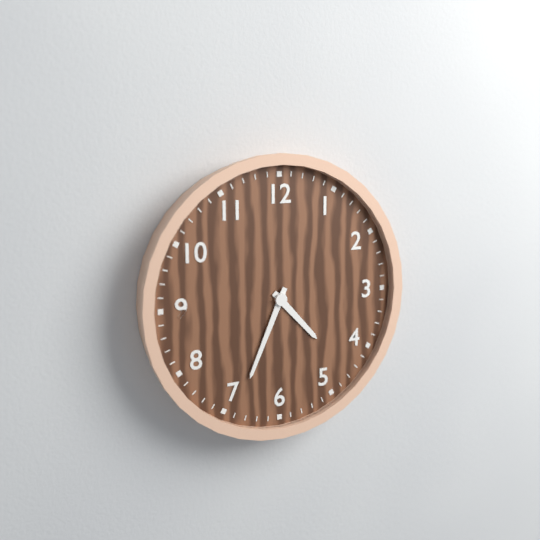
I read h=4 m=34
